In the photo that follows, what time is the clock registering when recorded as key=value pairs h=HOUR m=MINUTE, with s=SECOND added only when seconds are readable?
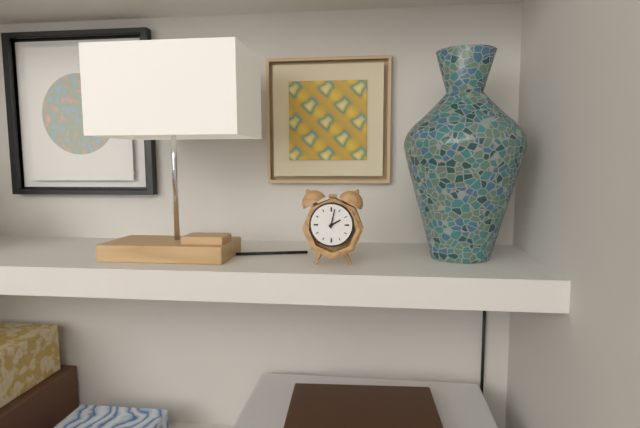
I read h=2 m=2
